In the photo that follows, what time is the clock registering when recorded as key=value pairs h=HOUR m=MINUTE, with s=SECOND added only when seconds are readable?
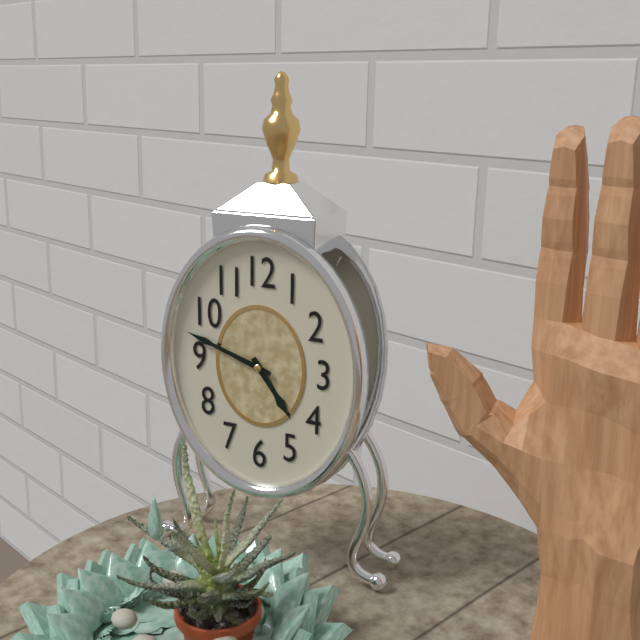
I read h=4 m=48
